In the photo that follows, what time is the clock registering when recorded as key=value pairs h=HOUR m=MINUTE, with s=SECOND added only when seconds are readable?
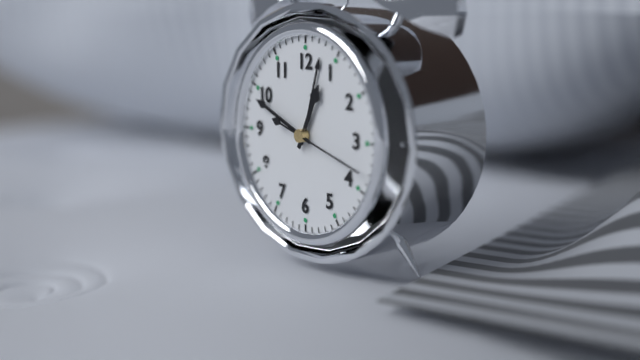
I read h=12 m=49 s=18
